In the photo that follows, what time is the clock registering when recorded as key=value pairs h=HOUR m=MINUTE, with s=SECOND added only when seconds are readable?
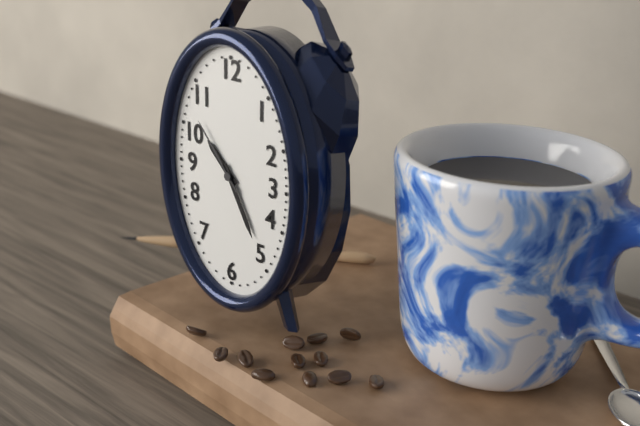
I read h=10 m=25 s=53
